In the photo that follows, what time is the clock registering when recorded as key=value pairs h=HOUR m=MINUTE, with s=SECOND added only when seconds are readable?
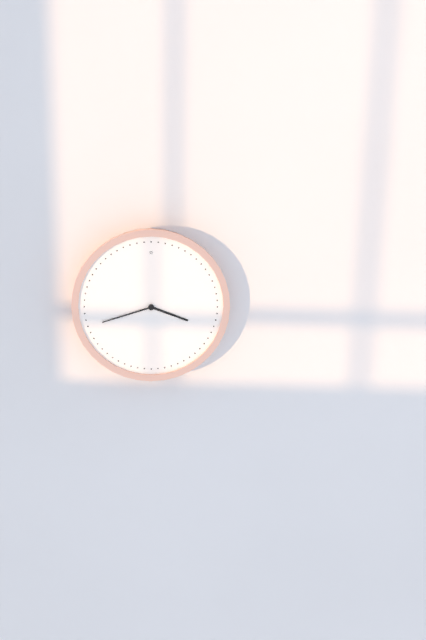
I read h=3 m=42
